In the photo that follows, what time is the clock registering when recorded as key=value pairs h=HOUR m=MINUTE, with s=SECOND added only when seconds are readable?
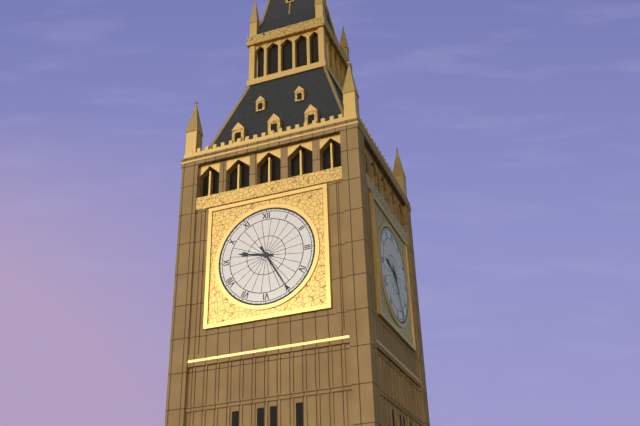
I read h=9 m=25
